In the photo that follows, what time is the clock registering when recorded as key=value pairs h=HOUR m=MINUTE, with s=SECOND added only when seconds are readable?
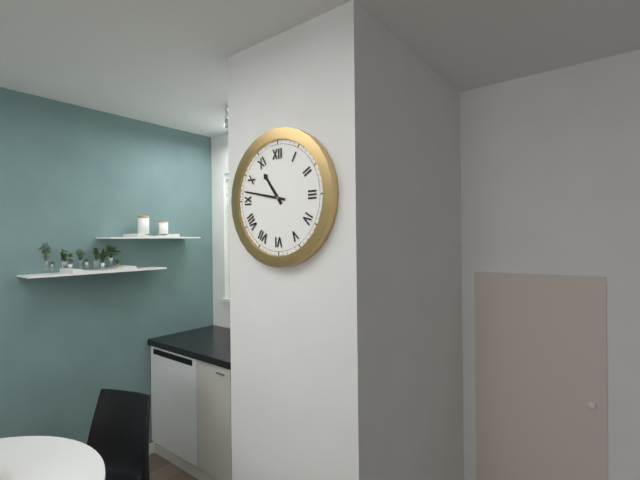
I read h=10 m=47
